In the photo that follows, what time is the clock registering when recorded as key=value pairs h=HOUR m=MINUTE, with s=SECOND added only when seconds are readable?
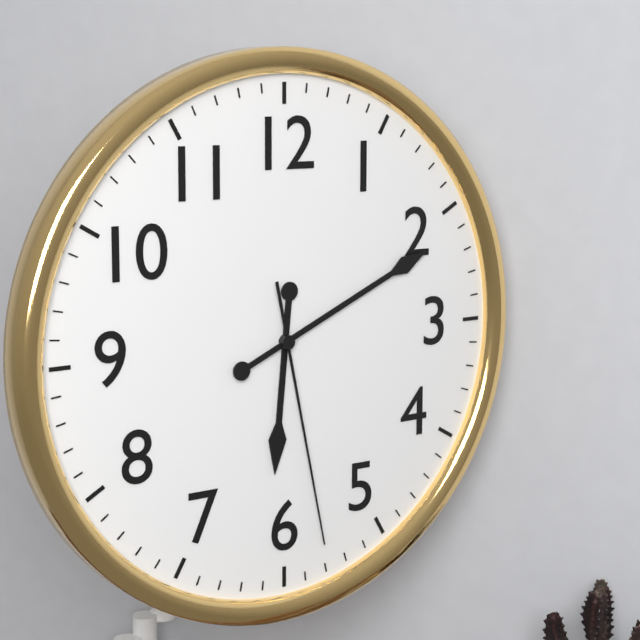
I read h=6 m=11 s=28
